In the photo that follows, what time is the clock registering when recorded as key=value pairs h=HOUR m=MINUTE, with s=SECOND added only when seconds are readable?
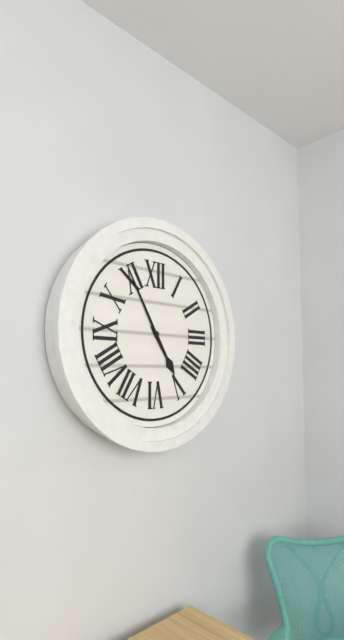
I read h=4 m=55
